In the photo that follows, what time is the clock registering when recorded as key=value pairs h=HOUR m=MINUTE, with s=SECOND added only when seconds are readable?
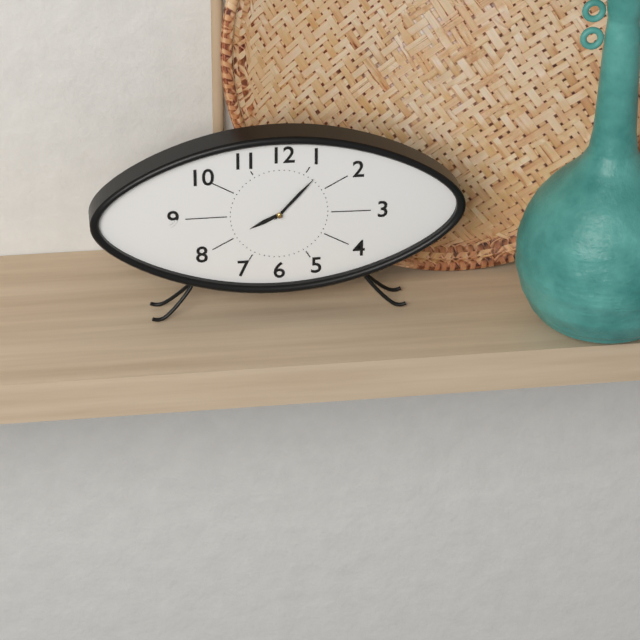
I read h=8 m=7
